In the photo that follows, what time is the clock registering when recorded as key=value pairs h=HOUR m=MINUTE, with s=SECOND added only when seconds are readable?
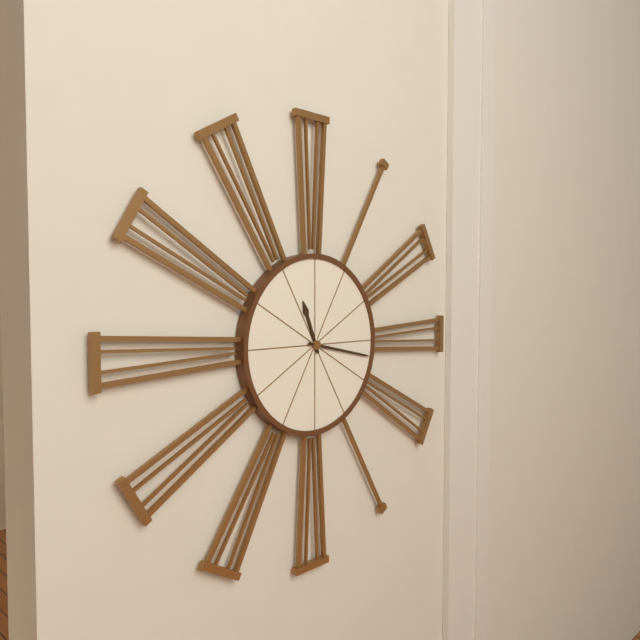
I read h=11 m=17
